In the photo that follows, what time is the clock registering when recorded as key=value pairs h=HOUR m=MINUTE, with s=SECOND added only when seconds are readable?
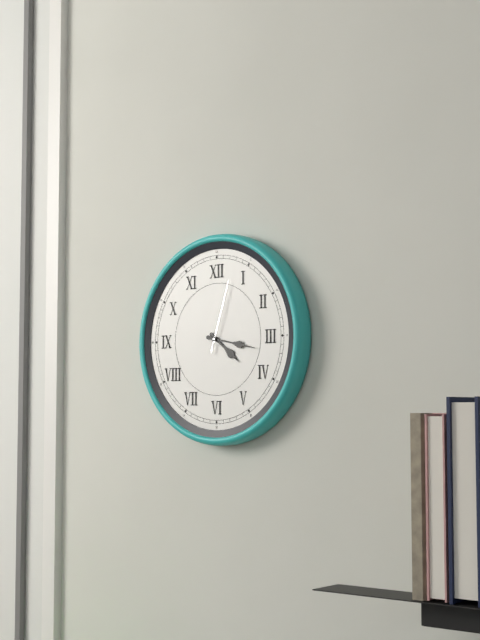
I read h=4 m=17 s=3
